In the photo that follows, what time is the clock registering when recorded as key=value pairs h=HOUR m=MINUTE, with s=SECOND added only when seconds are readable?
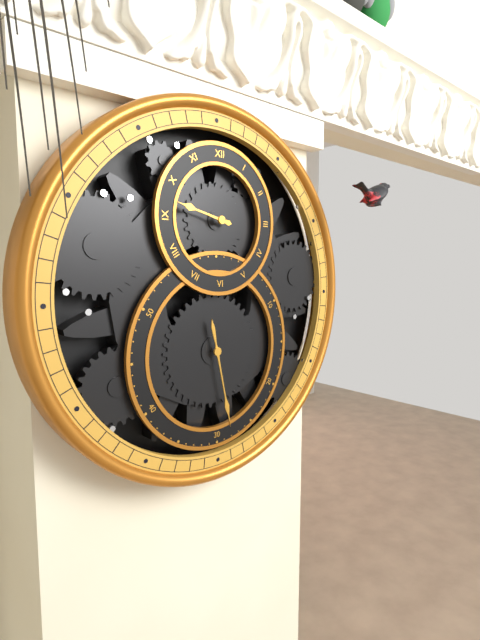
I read h=9 m=28
